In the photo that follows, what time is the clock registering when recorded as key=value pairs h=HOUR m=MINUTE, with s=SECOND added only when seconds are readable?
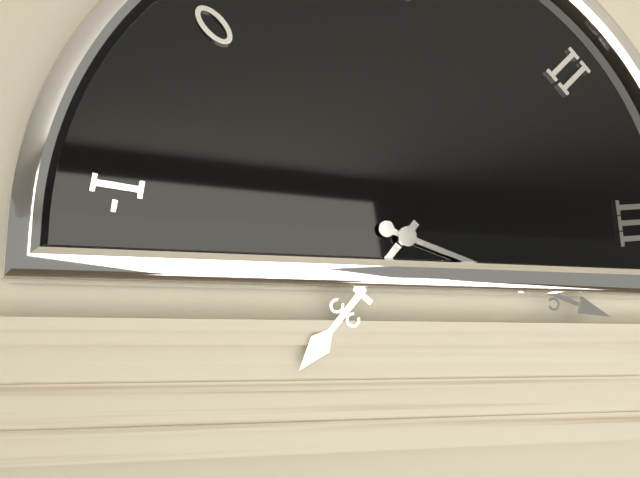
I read h=7 m=18
